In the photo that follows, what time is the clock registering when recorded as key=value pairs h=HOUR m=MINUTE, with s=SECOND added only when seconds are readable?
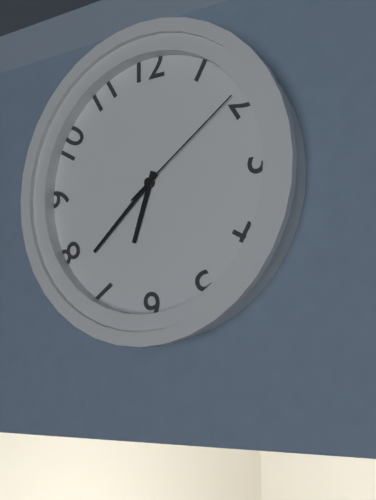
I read h=6 m=38 s=9
